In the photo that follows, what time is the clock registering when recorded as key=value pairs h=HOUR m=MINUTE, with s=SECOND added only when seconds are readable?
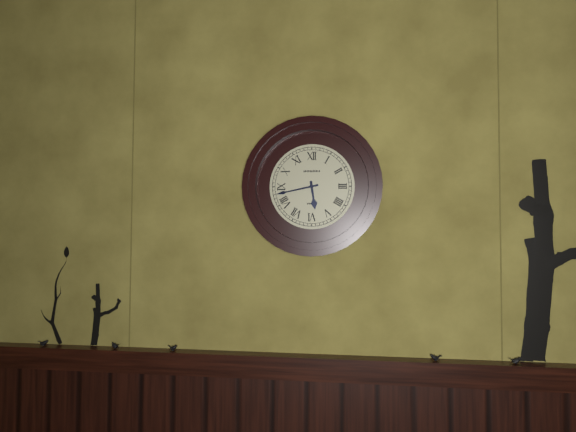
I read h=5 m=43
